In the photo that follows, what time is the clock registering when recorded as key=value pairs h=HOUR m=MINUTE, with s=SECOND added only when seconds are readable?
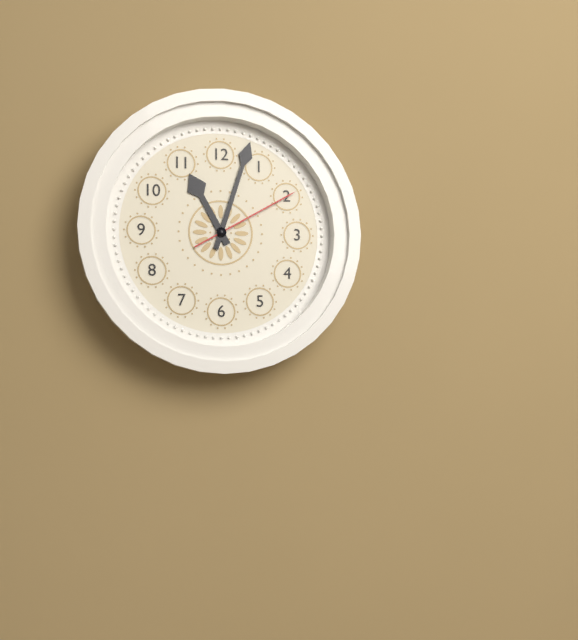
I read h=11 m=3 s=10
